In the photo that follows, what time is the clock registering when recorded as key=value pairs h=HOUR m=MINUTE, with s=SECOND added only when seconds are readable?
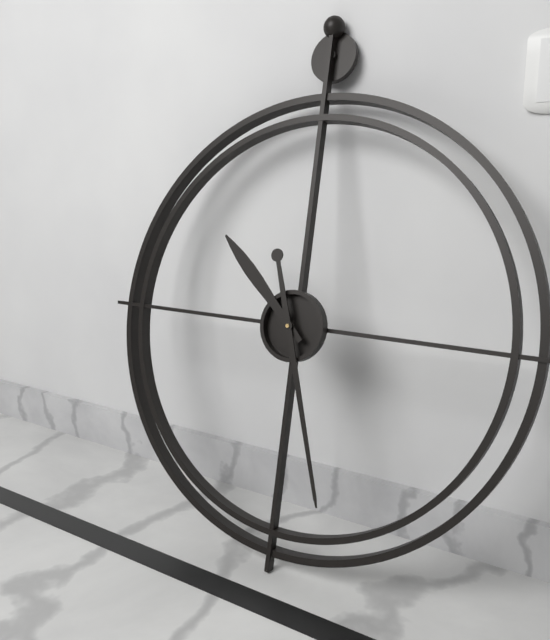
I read h=10 m=27
